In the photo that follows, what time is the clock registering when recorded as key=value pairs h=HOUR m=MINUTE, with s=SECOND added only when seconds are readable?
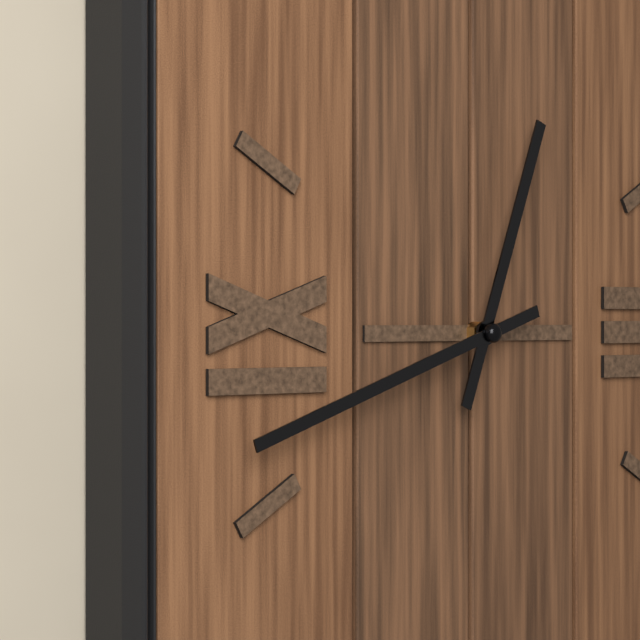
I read h=12 m=42
